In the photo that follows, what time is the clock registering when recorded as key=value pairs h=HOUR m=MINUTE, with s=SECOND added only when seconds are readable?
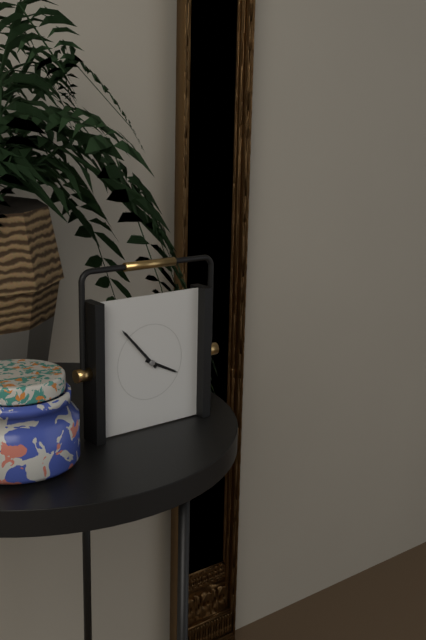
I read h=3 m=53
